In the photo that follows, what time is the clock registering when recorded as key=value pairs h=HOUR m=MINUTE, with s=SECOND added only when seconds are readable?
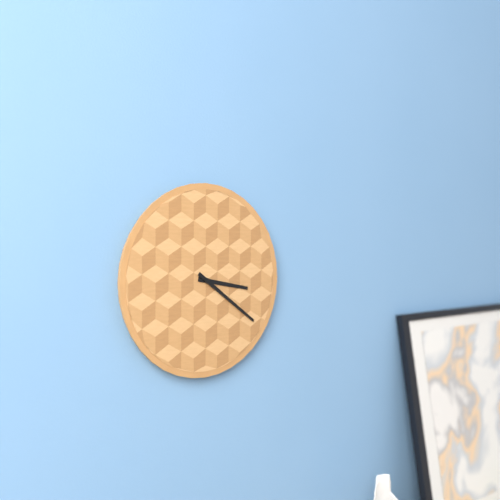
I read h=3 m=21
